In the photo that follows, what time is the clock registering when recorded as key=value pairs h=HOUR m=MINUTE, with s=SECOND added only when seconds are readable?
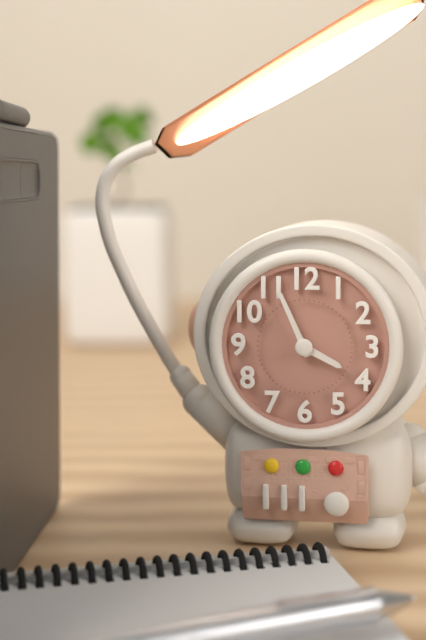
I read h=3 m=56
